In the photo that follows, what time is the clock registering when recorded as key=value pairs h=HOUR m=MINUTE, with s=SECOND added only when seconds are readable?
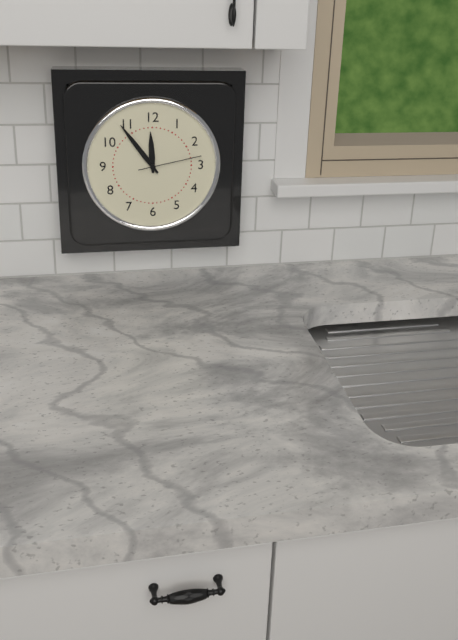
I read h=11 m=54 s=13
